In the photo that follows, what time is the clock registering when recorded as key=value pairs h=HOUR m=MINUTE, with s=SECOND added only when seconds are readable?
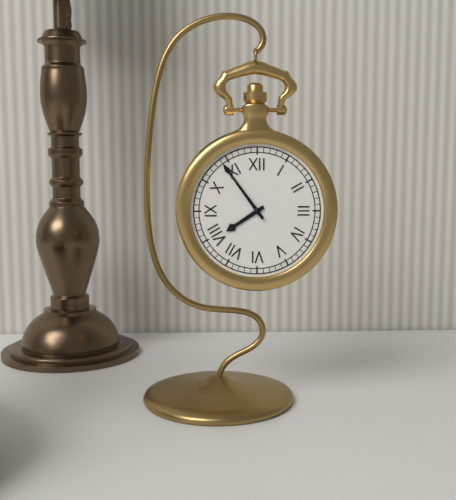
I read h=7 m=54
